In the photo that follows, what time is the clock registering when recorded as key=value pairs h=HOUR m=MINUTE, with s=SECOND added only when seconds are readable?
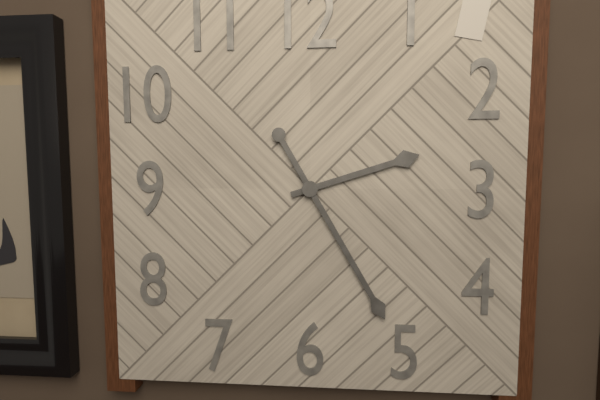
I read h=2 m=25
